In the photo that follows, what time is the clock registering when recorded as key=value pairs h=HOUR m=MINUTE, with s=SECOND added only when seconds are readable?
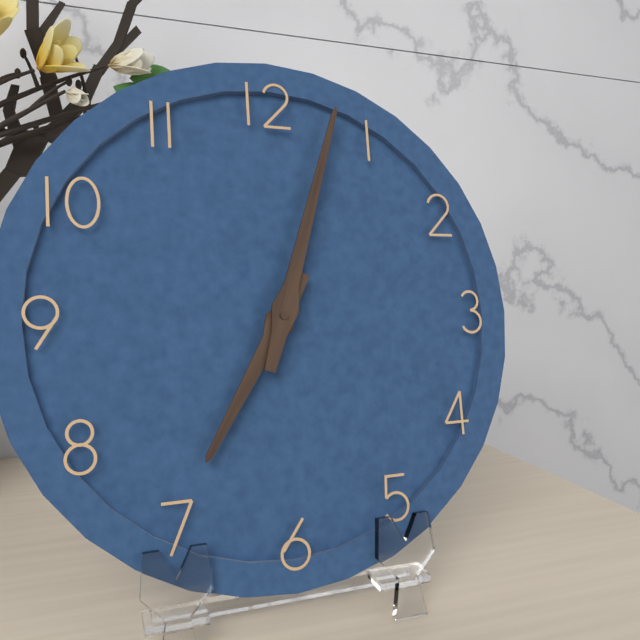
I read h=7 m=3
